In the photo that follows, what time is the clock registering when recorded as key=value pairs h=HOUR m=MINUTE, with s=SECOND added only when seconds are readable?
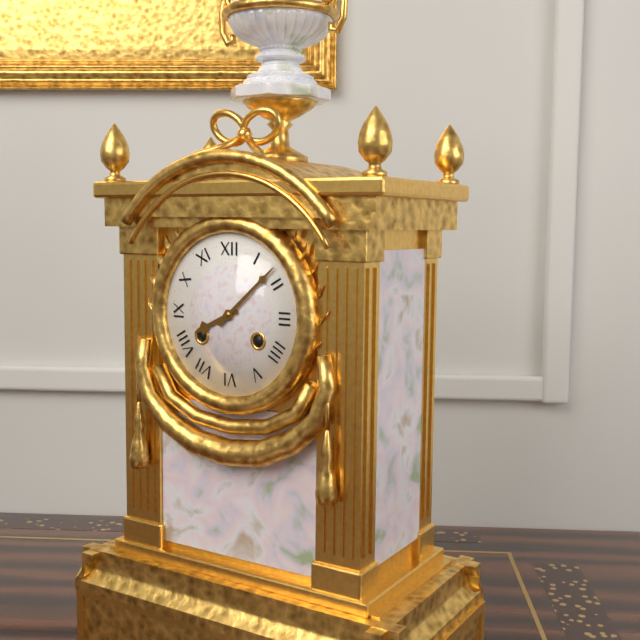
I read h=8 m=8
